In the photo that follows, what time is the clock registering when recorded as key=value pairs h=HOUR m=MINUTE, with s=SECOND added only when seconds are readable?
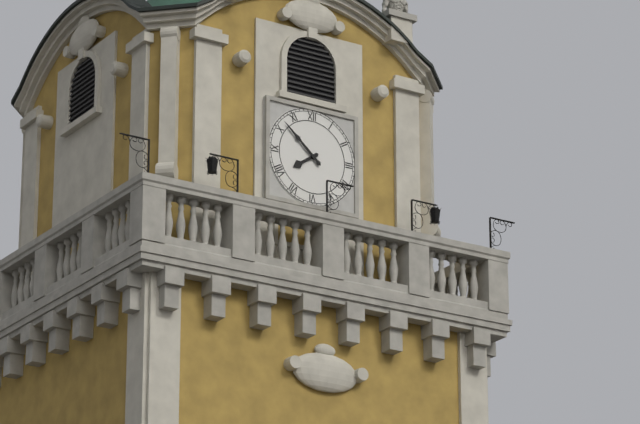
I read h=7 m=52
